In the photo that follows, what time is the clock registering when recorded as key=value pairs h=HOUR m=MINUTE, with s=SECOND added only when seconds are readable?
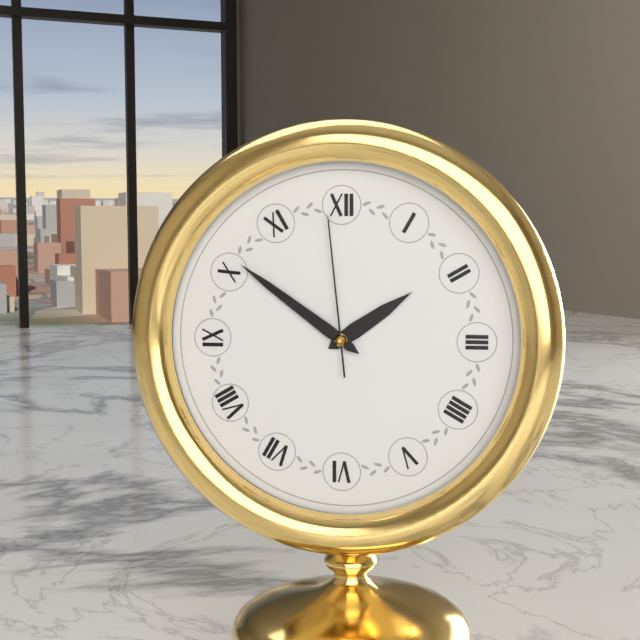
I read h=1 m=51 s=59
